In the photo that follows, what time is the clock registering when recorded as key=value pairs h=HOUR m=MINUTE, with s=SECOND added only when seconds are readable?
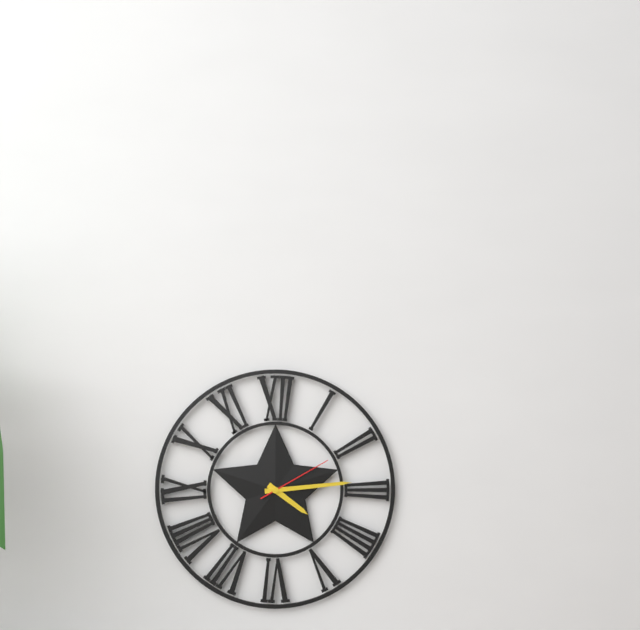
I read h=4 m=14 s=10
